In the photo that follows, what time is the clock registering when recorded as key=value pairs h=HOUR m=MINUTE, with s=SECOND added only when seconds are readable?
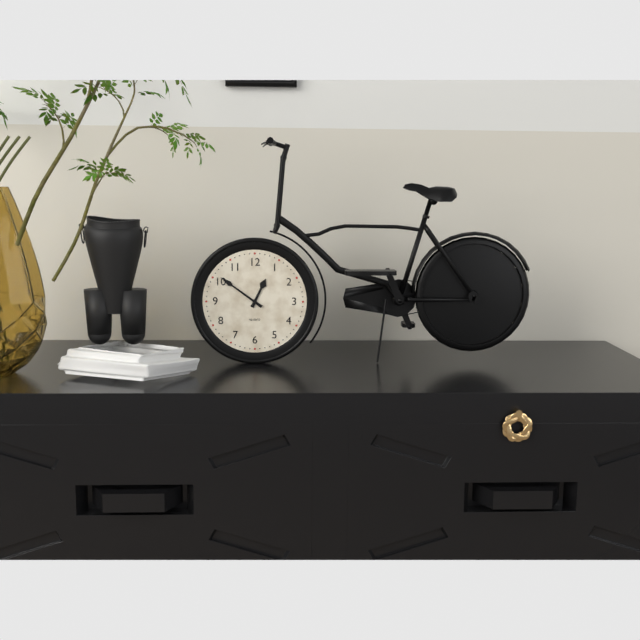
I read h=12 m=51
